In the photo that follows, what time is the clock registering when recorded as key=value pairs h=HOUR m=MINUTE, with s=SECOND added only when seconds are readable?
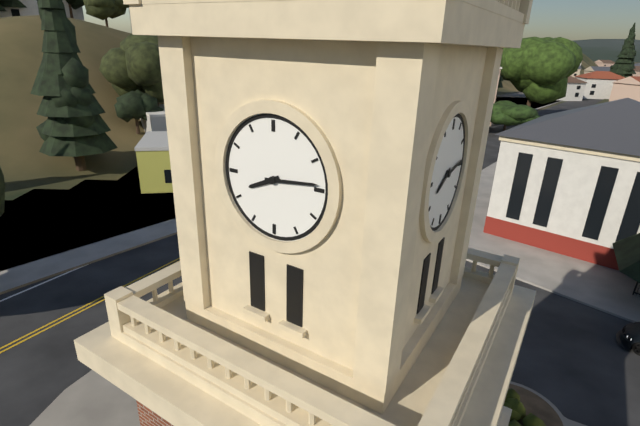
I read h=8 m=14
